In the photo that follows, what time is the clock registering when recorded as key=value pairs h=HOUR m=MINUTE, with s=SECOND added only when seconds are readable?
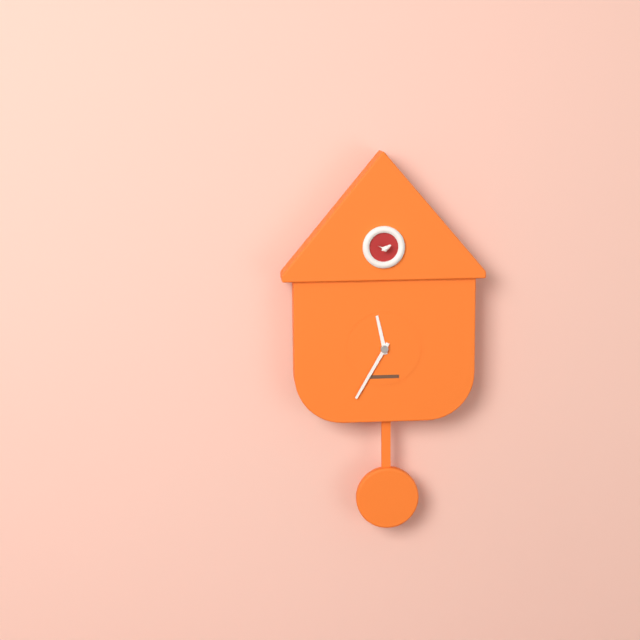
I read h=11 m=35
